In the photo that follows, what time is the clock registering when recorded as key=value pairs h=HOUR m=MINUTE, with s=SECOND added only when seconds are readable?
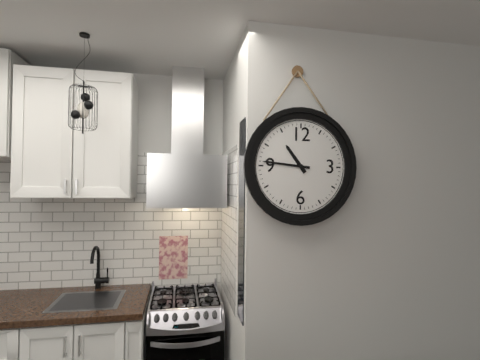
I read h=10 m=46
